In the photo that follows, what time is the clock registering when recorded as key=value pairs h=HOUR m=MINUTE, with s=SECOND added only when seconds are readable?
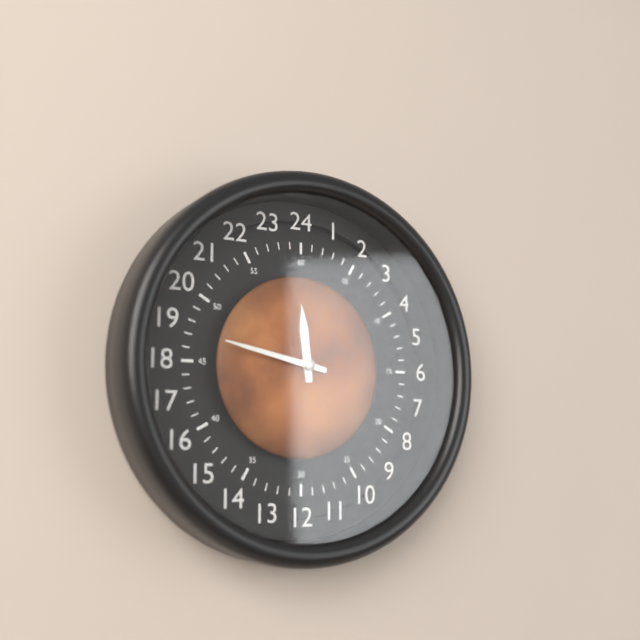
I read h=11 m=47
